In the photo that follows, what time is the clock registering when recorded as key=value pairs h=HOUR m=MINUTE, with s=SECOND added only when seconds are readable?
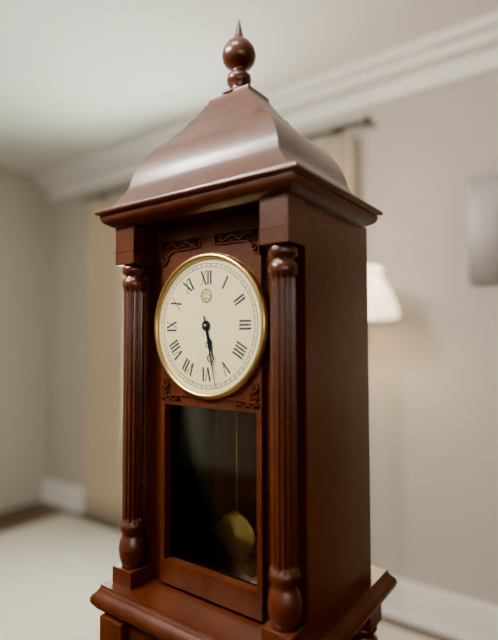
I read h=5 m=28
